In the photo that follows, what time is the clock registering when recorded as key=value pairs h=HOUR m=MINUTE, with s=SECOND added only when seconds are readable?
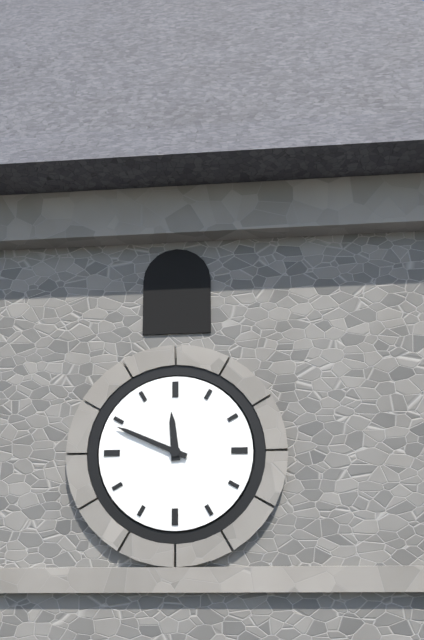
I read h=11 m=49
